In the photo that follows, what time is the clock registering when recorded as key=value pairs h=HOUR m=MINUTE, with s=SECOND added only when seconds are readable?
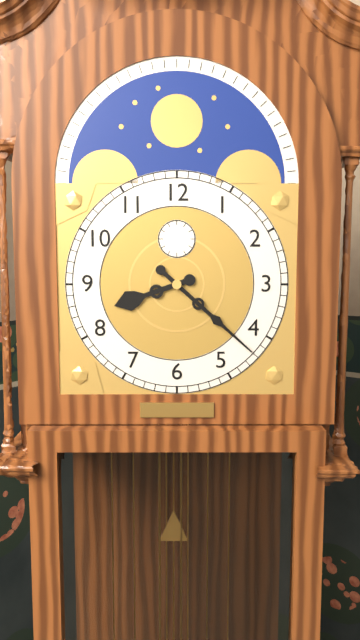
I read h=8 m=22
